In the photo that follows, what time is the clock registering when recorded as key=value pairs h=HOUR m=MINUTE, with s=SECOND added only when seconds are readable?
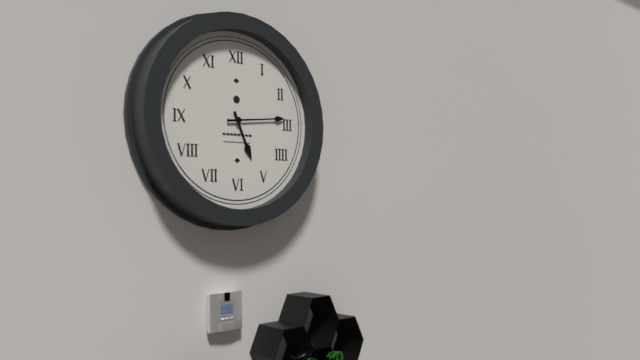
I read h=5 m=14
